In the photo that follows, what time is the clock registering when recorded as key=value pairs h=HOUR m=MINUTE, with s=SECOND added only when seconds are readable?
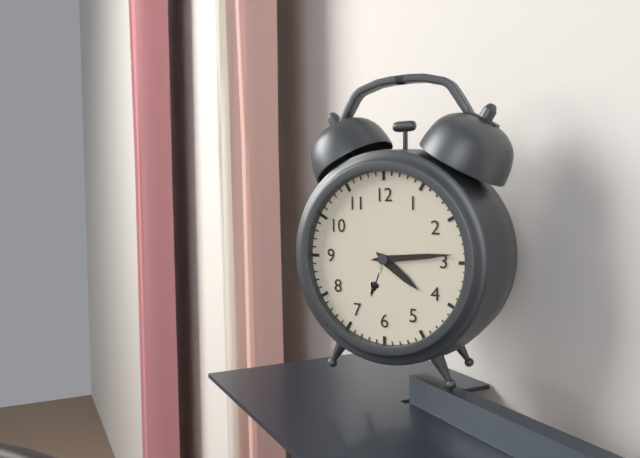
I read h=4 m=14
